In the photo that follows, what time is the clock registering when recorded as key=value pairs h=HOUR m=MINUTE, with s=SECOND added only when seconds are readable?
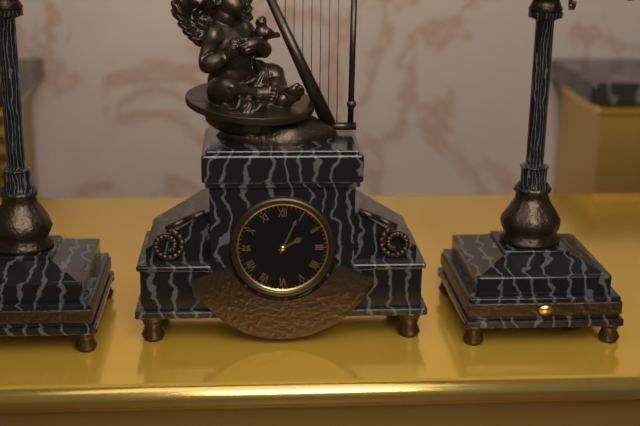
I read h=2 m=4
